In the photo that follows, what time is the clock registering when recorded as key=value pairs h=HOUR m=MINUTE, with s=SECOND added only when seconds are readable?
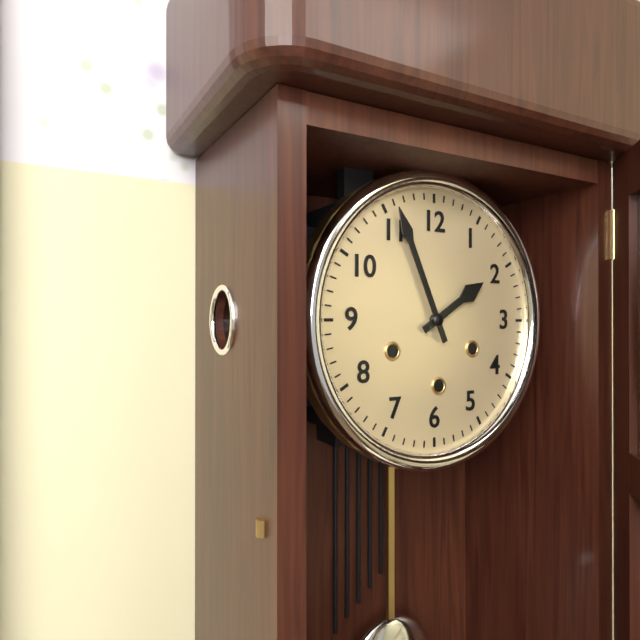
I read h=1 m=56
